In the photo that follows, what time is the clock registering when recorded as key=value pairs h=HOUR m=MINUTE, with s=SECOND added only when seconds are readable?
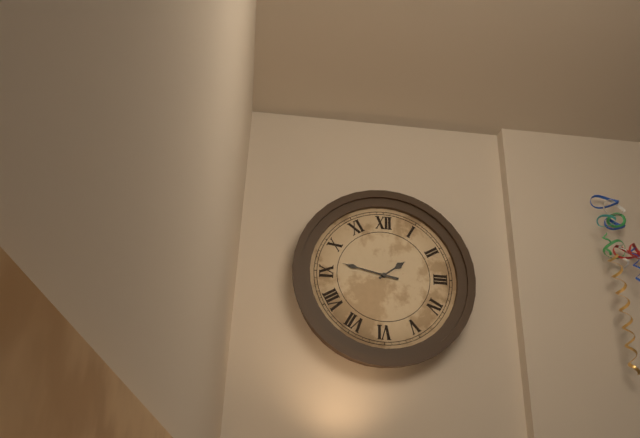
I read h=1 m=47
